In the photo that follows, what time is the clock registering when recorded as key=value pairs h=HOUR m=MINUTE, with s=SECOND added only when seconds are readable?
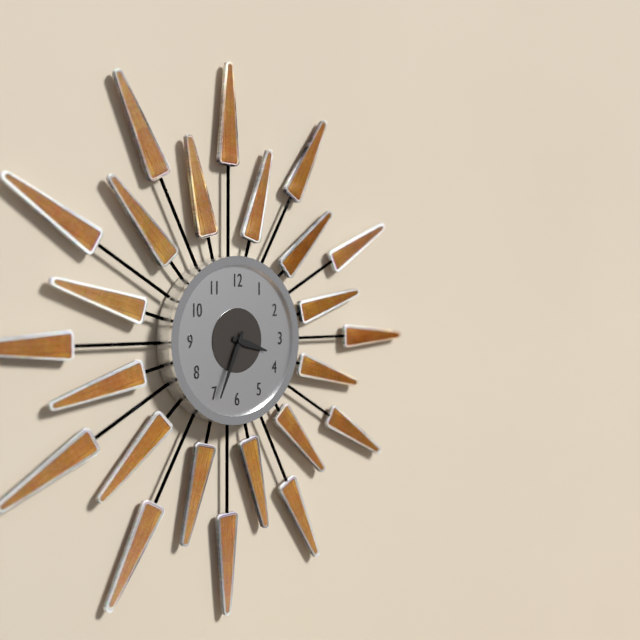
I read h=3 m=34
